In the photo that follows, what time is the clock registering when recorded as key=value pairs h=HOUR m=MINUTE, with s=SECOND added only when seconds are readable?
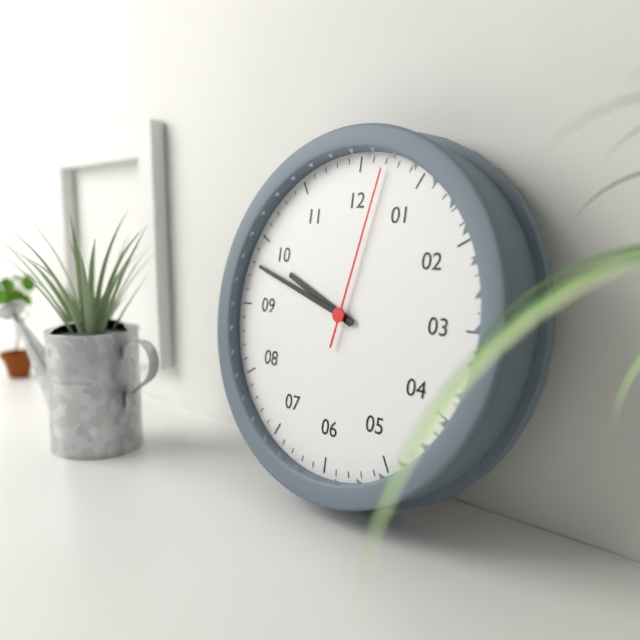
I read h=9 m=48 s=2
